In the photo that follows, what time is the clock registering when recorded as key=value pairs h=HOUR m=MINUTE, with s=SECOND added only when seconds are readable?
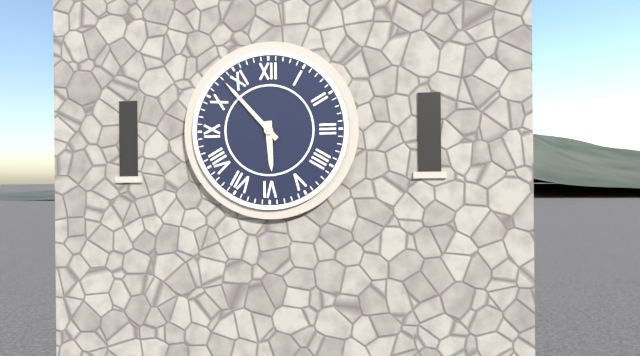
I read h=5 m=53
